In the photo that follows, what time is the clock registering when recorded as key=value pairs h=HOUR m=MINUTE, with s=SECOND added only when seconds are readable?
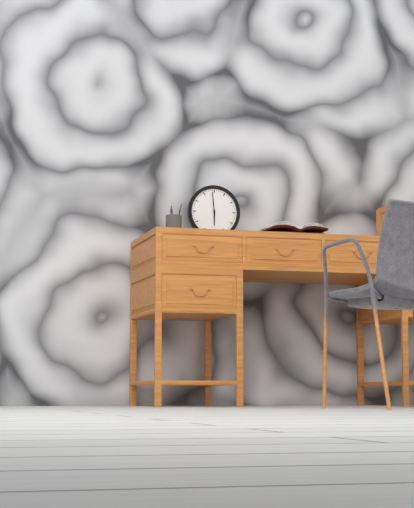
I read h=5 m=59
